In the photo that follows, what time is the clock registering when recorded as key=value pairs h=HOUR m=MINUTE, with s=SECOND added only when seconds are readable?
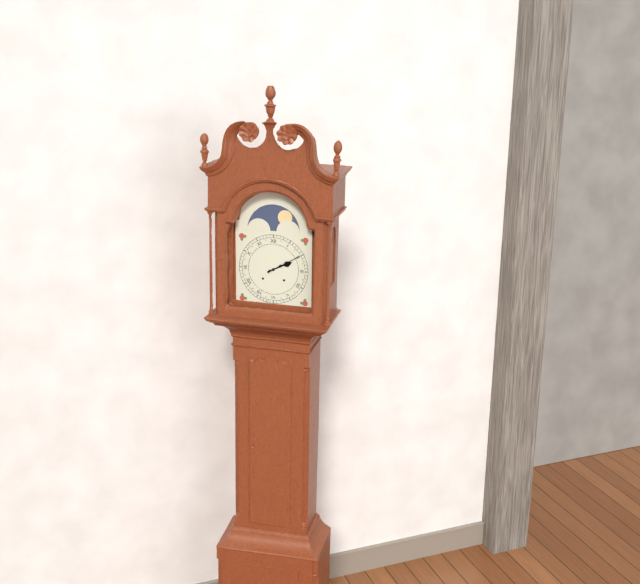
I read h=2 m=10
